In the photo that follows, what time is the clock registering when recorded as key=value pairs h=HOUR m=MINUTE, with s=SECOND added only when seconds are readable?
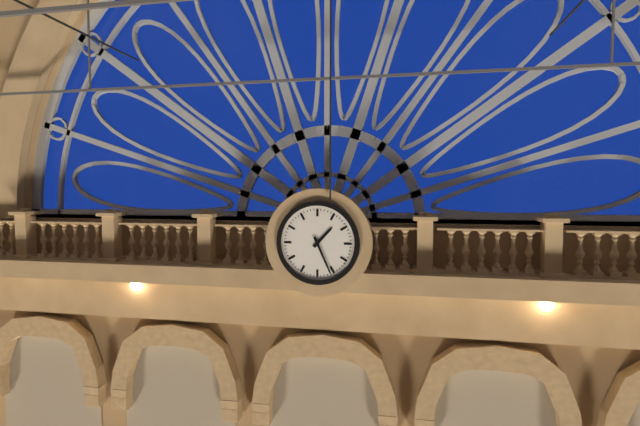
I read h=1 m=26
